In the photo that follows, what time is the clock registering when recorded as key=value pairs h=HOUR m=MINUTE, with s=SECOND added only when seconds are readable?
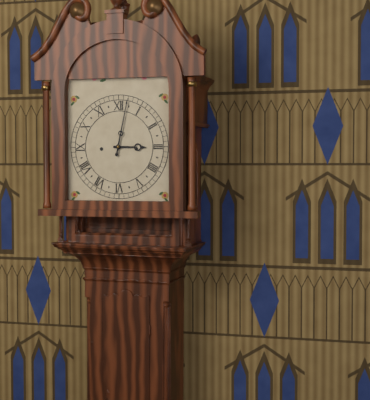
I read h=3 m=2
